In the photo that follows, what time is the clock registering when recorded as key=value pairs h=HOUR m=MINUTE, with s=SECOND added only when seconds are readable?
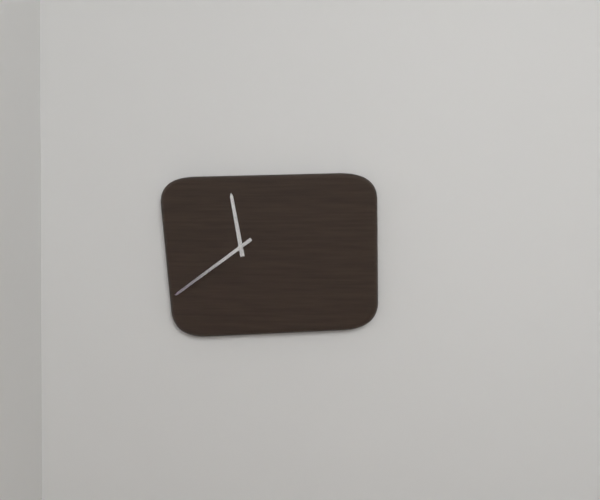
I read h=11 m=39
